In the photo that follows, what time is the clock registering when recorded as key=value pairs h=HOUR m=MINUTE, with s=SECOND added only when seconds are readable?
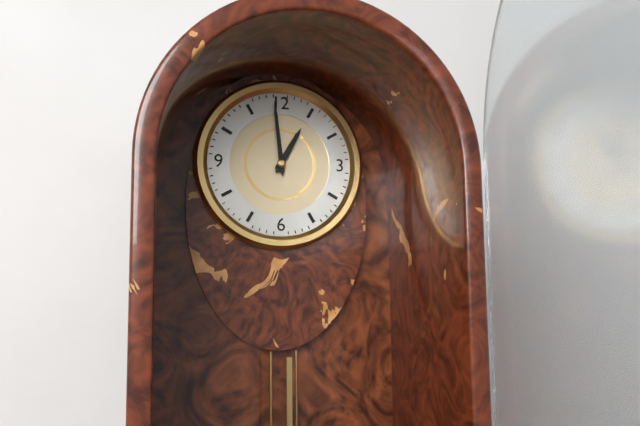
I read h=12 m=59
